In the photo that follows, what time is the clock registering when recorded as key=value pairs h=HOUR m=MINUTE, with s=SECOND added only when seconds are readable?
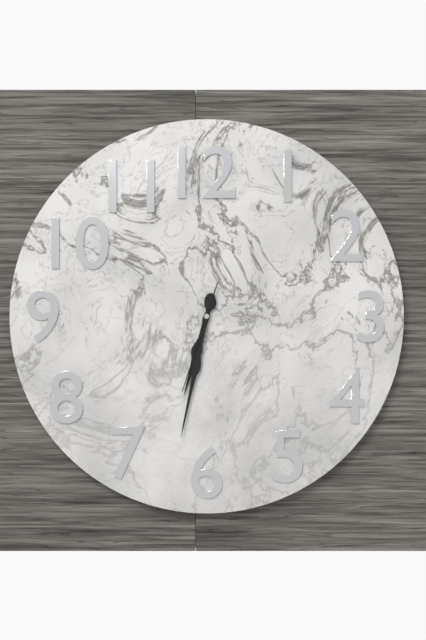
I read h=6 m=32 s=33
